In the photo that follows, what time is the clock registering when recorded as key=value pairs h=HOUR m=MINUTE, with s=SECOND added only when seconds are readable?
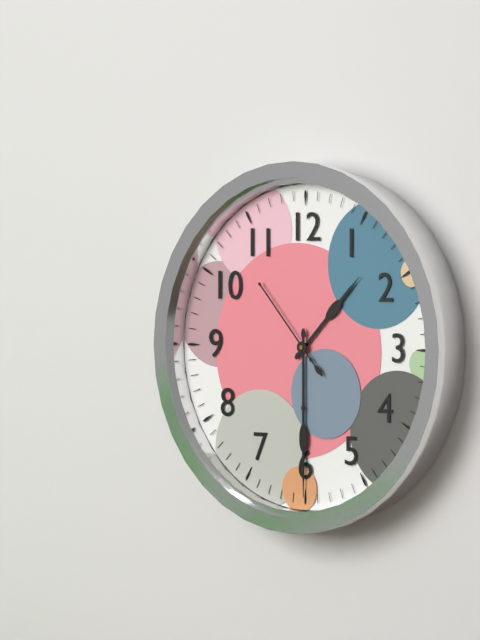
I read h=1 m=30 s=53
